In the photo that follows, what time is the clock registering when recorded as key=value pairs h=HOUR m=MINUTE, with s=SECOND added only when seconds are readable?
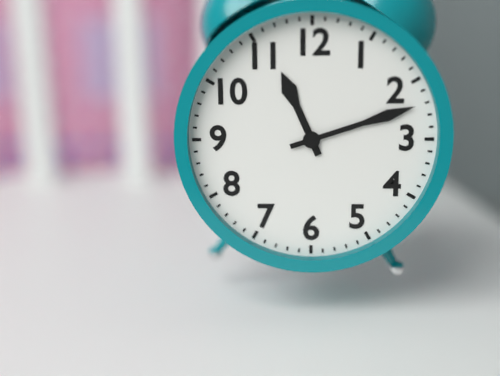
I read h=11 m=12
